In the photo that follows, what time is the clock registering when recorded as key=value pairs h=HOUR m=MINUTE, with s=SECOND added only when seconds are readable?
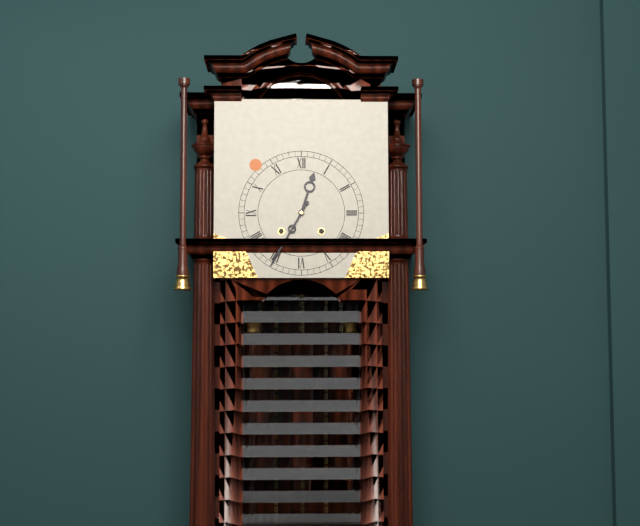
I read h=12 m=35
